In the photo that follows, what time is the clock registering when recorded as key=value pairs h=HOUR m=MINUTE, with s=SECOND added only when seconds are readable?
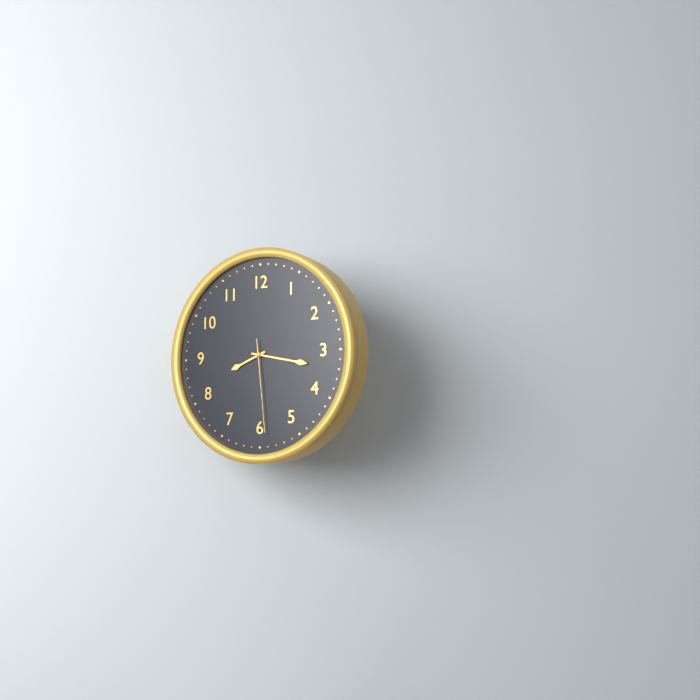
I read h=8 m=17 s=29
